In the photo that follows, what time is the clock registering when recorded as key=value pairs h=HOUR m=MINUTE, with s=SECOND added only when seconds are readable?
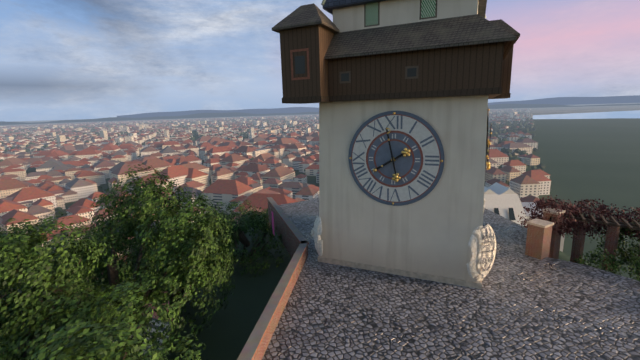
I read h=7 m=58
